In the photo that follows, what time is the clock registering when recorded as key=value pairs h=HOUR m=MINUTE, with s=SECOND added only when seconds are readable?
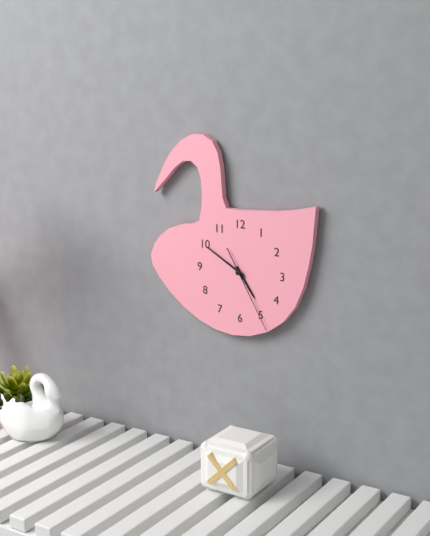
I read h=4 m=50 s=25
